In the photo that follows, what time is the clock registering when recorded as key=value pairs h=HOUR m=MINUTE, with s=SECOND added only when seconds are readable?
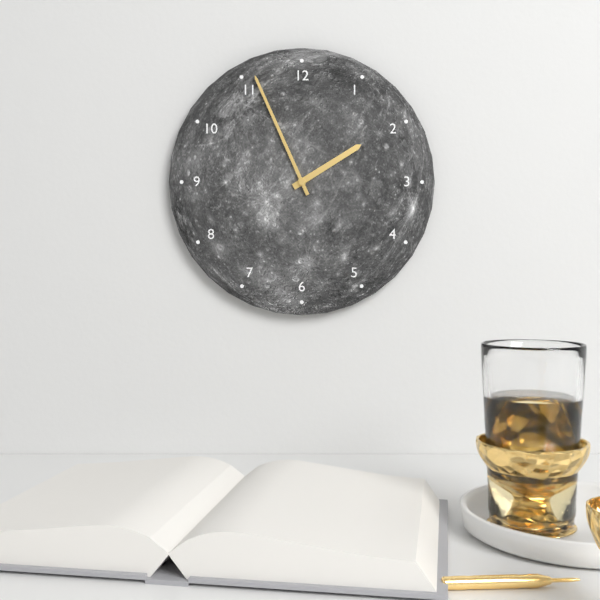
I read h=1 m=56
